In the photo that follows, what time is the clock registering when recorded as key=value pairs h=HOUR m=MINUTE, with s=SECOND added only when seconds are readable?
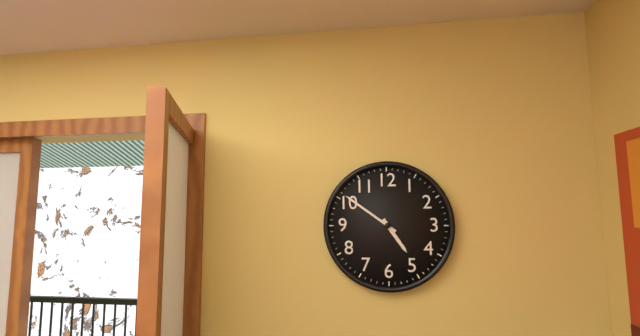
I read h=4 m=51
